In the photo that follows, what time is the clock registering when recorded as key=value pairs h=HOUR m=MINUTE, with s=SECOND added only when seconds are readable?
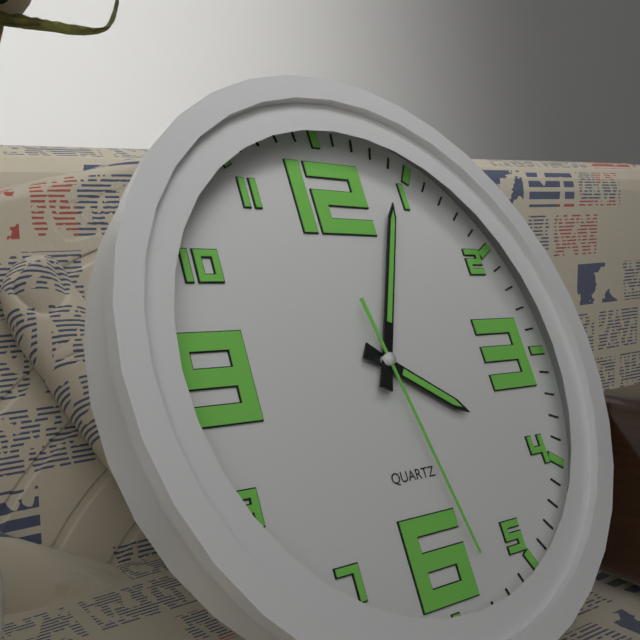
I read h=4 m=4 s=28
